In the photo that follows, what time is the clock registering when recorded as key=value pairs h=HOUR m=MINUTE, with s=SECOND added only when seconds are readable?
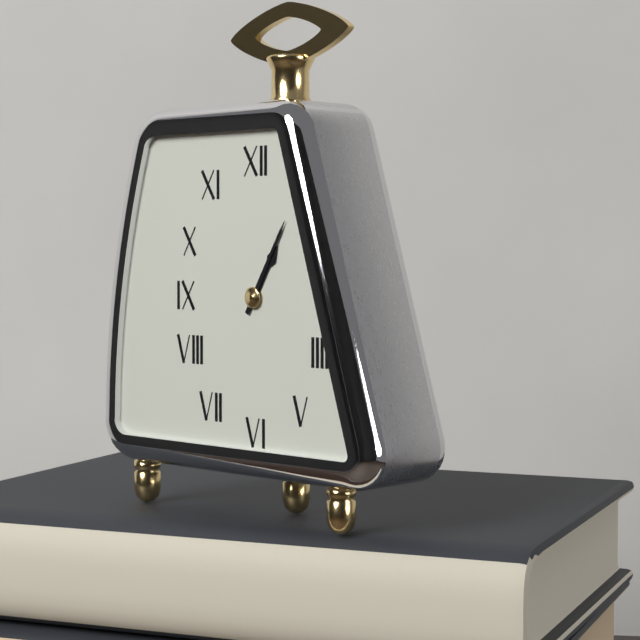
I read h=1 m=5
